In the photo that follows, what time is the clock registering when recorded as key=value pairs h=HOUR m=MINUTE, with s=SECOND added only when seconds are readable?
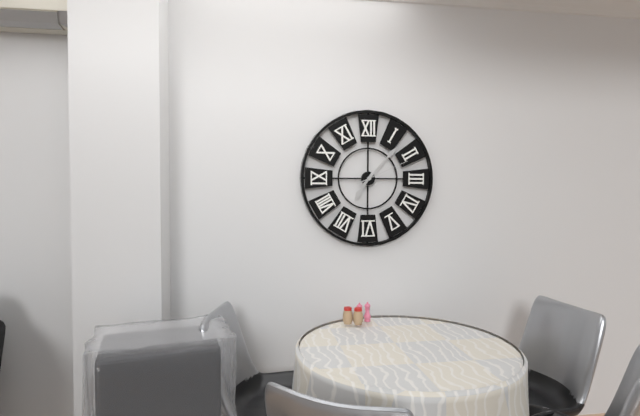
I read h=7 m=7 s=11
